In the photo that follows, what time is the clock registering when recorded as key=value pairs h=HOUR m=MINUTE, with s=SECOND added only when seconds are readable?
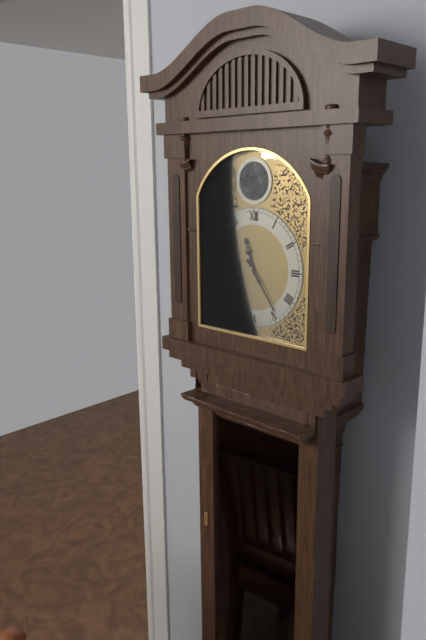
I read h=11 m=24
